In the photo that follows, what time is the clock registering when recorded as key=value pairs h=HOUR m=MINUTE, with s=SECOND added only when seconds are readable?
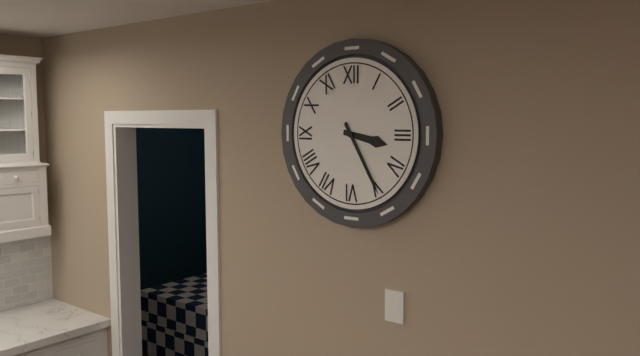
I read h=3 m=25
